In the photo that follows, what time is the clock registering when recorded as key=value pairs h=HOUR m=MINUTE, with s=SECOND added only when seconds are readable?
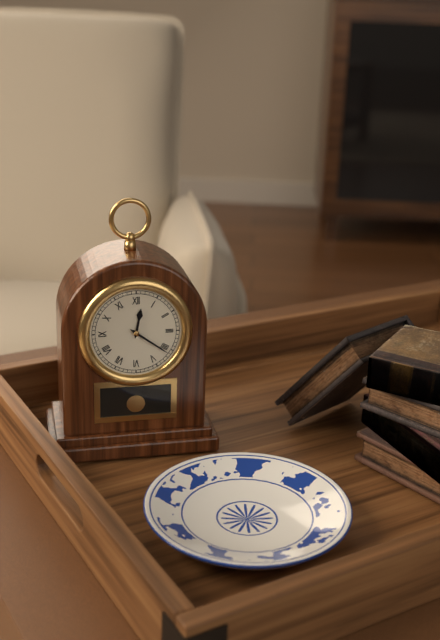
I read h=12 m=21
